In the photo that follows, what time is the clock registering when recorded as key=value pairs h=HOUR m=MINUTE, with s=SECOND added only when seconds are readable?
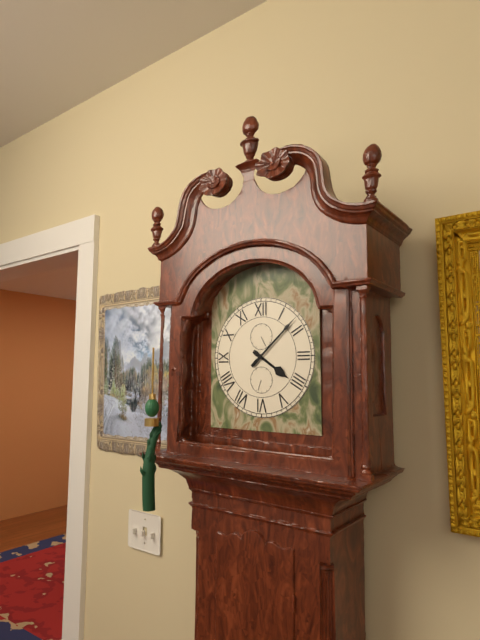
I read h=4 m=8
